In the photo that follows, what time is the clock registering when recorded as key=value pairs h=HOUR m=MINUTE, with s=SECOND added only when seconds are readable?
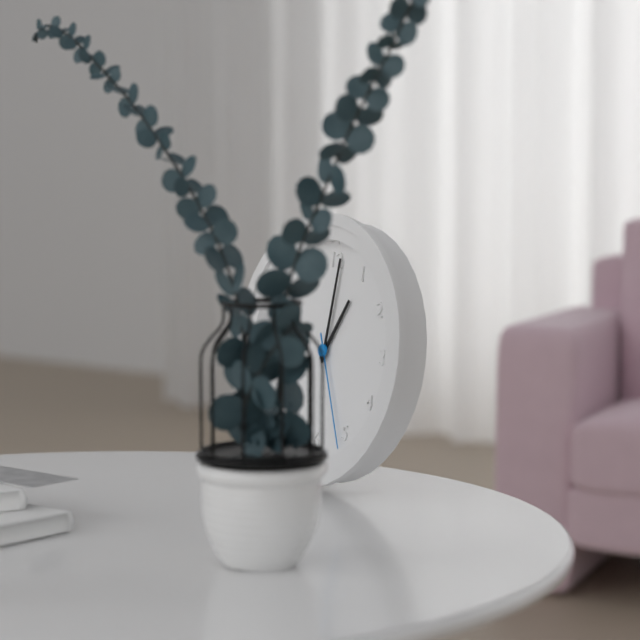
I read h=1 m=1 s=26
